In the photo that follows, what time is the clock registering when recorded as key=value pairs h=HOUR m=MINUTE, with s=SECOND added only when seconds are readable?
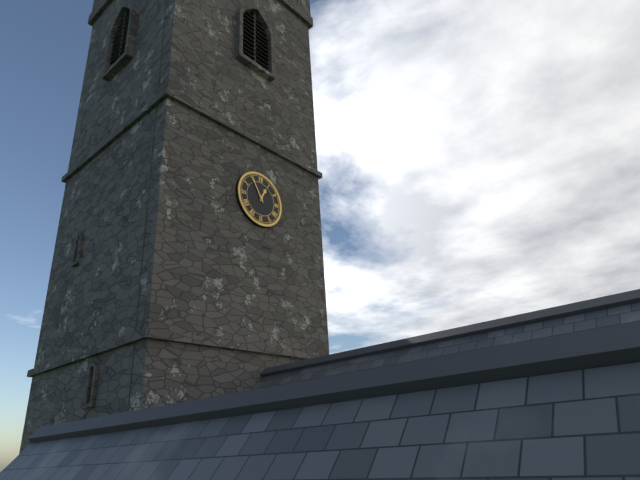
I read h=12 m=55
